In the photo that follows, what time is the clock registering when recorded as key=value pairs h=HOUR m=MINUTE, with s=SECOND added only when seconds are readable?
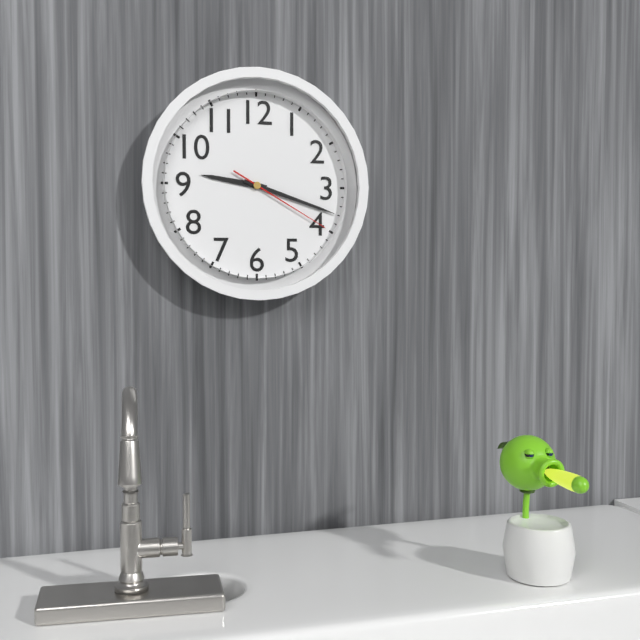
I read h=9 m=18 s=20
